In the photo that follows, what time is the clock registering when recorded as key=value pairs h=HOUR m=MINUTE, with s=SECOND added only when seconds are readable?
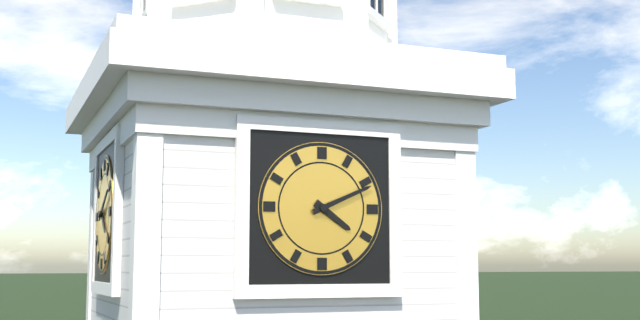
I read h=4 m=11
